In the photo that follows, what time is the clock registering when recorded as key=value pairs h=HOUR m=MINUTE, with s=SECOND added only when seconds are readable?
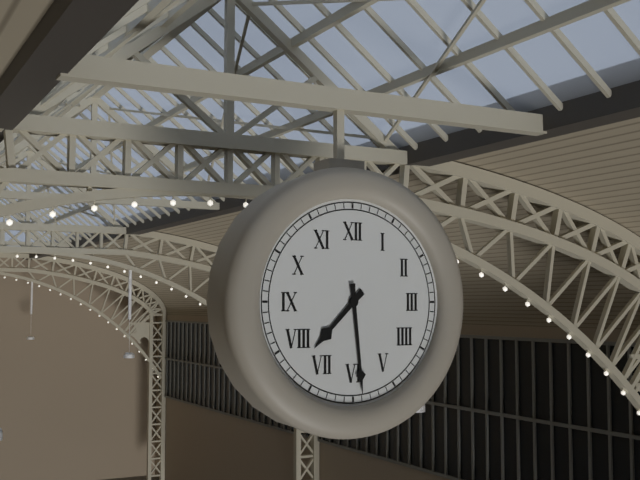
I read h=7 m=29
